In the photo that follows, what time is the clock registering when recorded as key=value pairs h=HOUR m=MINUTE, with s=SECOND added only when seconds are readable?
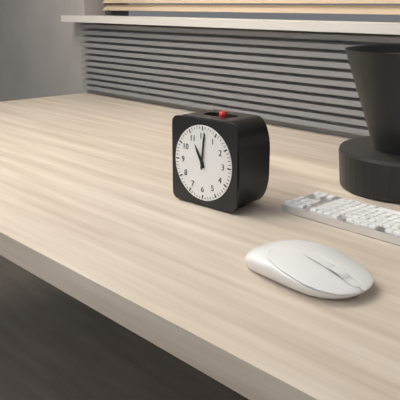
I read h=11 m=1
